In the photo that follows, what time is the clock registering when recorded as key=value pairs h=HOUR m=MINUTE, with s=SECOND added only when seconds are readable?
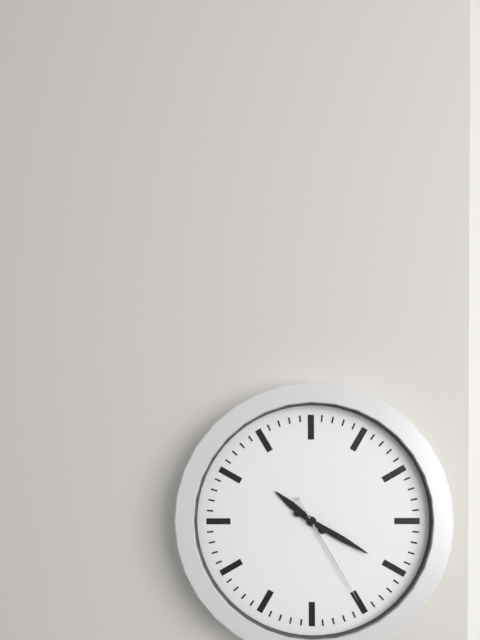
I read h=10 m=20 s=25
